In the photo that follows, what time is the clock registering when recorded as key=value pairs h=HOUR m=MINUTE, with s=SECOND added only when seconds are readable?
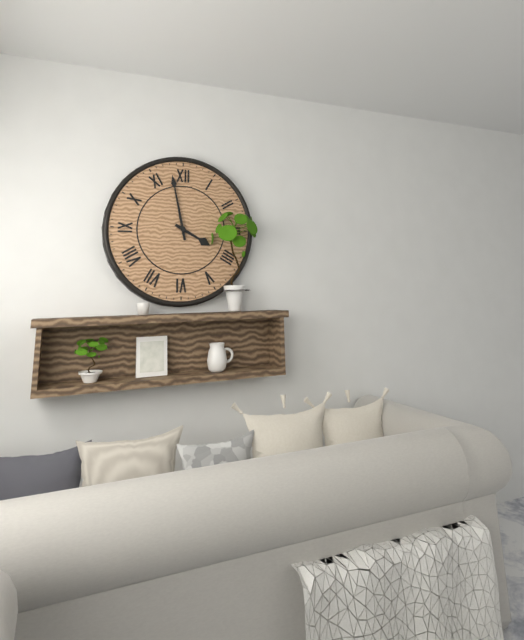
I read h=3 m=58
